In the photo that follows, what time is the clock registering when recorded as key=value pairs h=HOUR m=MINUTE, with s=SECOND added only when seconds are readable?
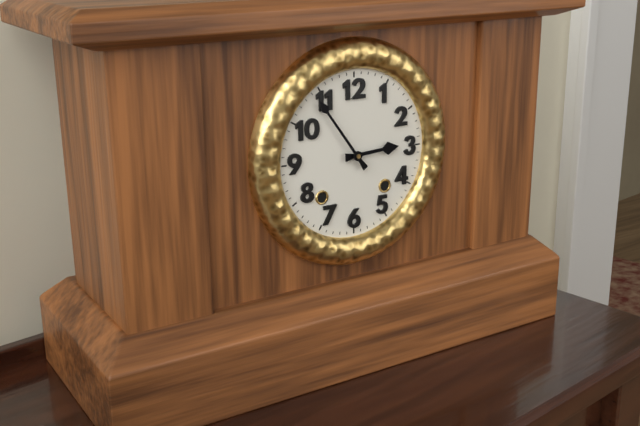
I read h=2 m=54
